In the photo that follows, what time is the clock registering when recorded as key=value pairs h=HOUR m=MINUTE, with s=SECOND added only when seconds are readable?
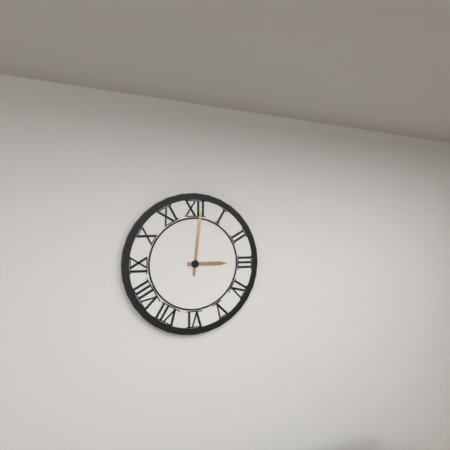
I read h=3 m=1
